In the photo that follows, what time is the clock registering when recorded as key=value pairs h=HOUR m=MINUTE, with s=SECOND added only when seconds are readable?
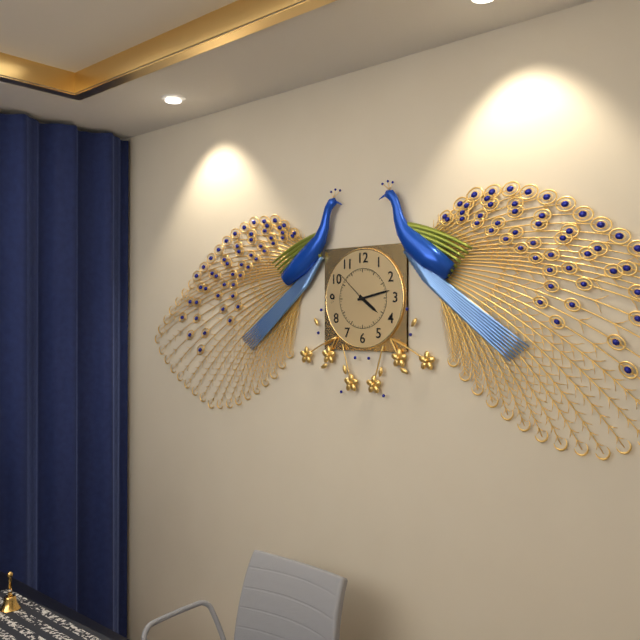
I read h=4 m=13
